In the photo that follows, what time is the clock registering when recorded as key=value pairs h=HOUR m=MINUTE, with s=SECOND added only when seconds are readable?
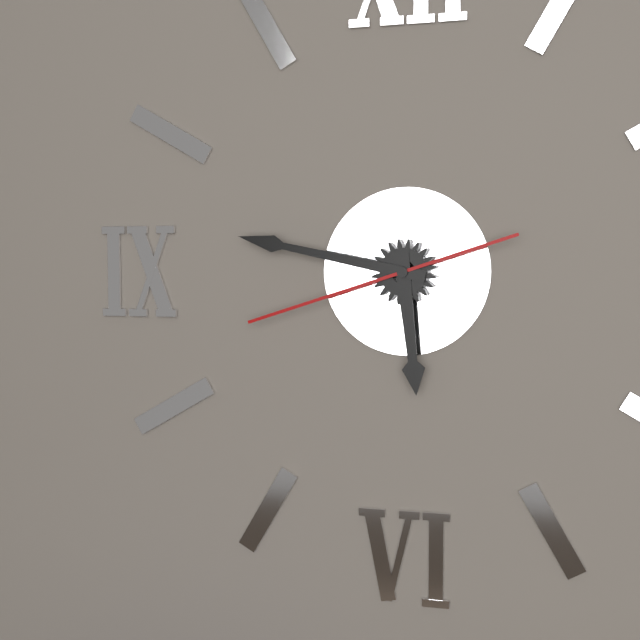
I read h=5 m=47 s=42
